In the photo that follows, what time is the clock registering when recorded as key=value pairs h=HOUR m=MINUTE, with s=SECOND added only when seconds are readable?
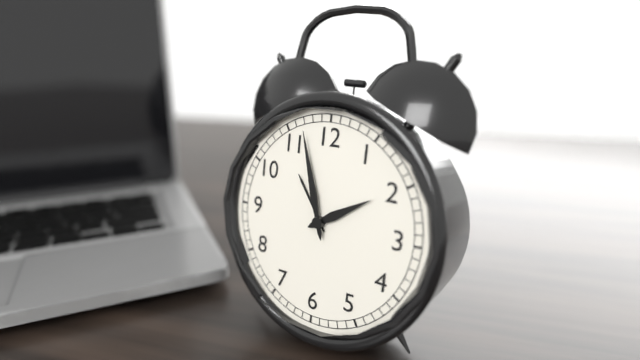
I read h=1 m=57
